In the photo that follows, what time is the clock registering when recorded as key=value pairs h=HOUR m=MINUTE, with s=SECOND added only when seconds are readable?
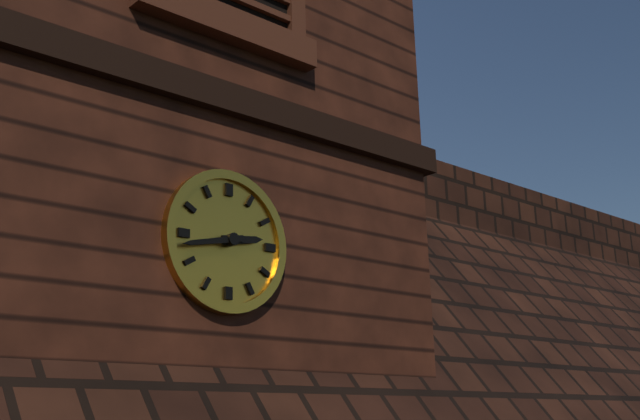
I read h=2 m=43
